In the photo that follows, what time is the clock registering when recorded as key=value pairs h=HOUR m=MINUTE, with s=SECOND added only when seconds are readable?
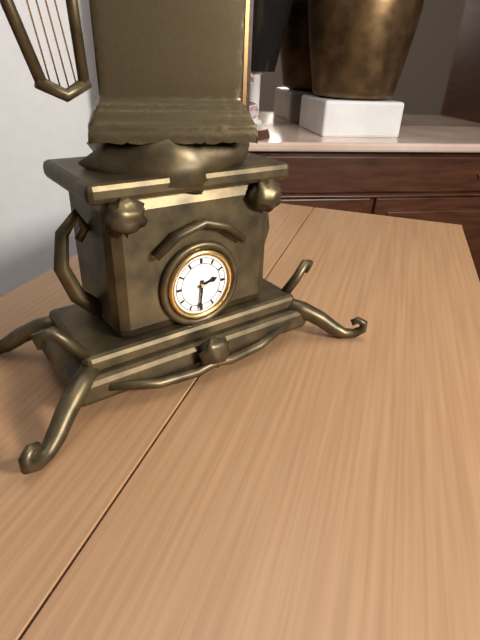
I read h=2 m=31
